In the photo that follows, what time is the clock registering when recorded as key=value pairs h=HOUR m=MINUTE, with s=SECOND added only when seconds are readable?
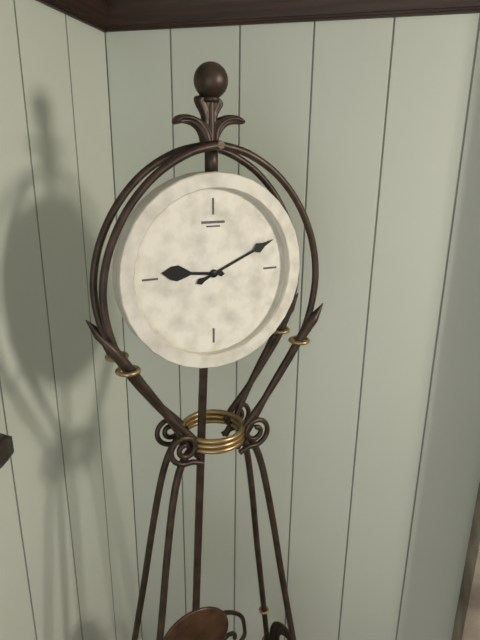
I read h=9 m=11
